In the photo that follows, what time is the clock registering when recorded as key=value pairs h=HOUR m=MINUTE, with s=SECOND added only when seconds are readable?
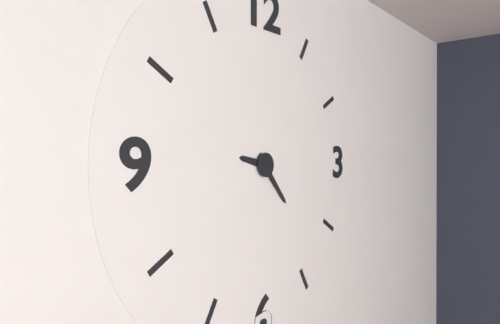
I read h=9 m=23
